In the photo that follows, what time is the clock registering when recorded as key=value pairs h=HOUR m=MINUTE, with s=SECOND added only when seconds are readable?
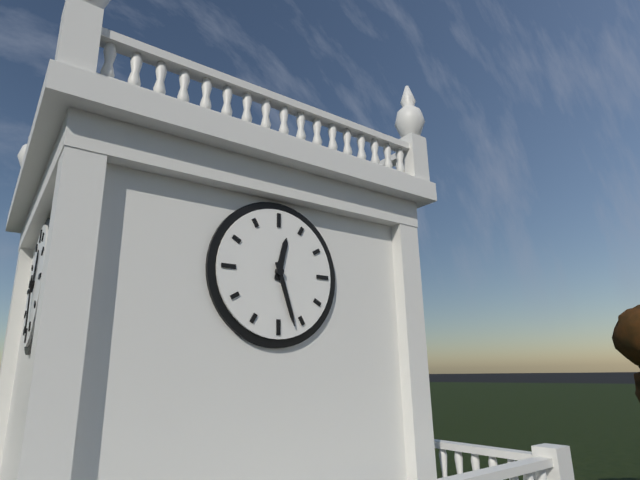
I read h=12 m=27
